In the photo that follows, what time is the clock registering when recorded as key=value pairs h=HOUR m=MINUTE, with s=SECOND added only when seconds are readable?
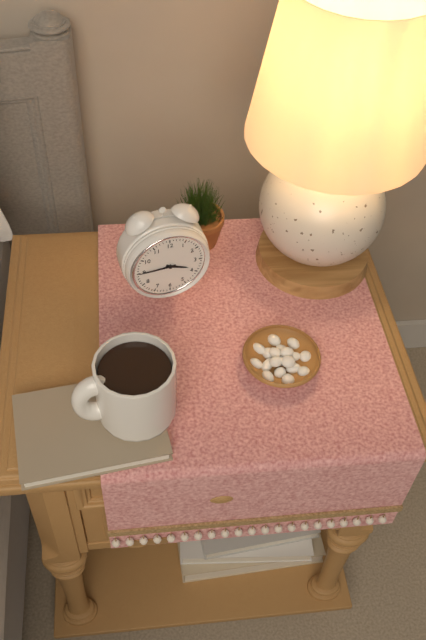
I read h=3 m=45
